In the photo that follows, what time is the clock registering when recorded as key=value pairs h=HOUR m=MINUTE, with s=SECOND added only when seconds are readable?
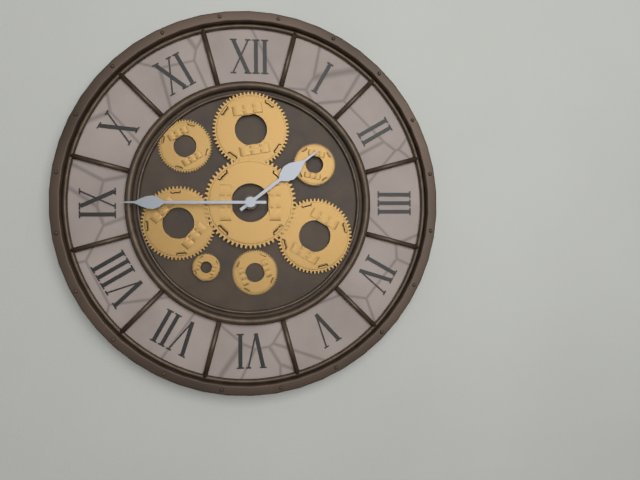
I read h=1 m=45
